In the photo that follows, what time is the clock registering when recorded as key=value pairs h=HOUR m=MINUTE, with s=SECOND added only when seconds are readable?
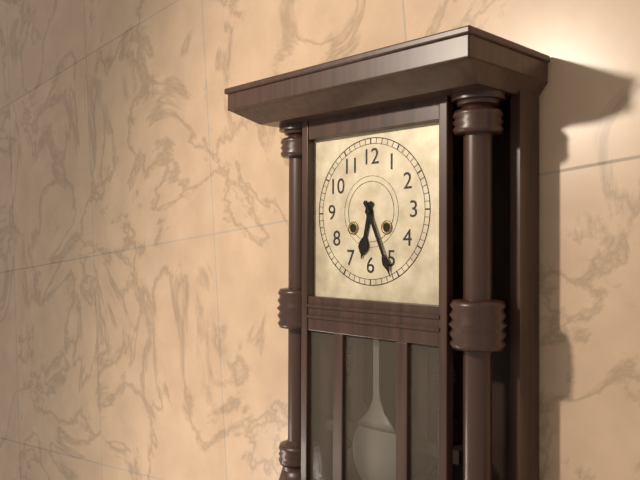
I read h=6 m=26
